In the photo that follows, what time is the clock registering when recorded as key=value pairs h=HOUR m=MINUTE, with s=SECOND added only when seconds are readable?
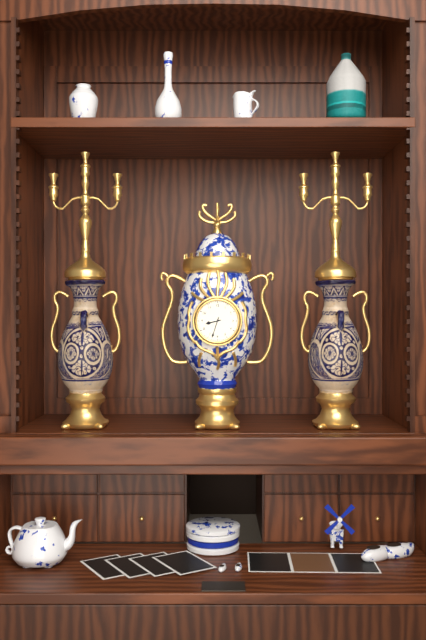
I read h=8 m=33
